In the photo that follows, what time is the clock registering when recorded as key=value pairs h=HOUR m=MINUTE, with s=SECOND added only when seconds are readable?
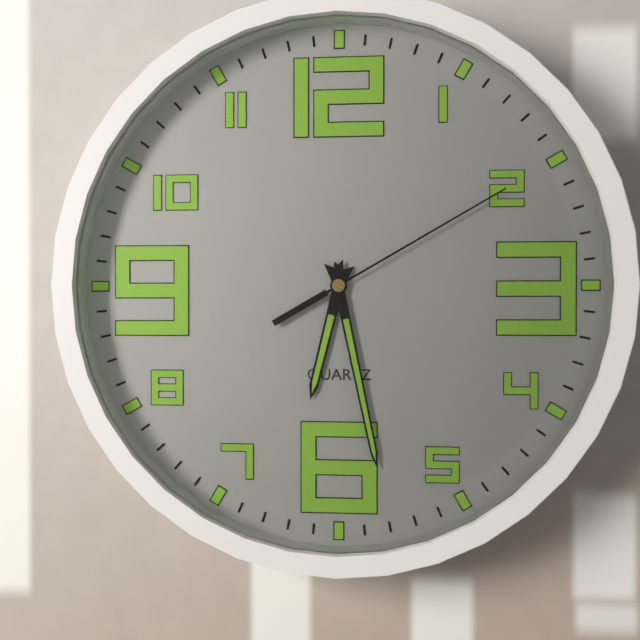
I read h=6 m=28 s=10
